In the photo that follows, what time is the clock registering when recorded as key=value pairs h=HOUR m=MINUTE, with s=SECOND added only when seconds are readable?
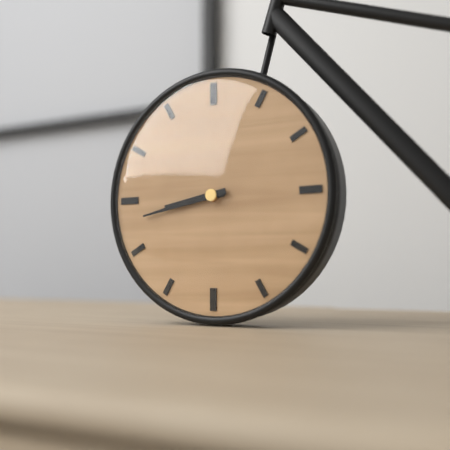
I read h=8 m=43
